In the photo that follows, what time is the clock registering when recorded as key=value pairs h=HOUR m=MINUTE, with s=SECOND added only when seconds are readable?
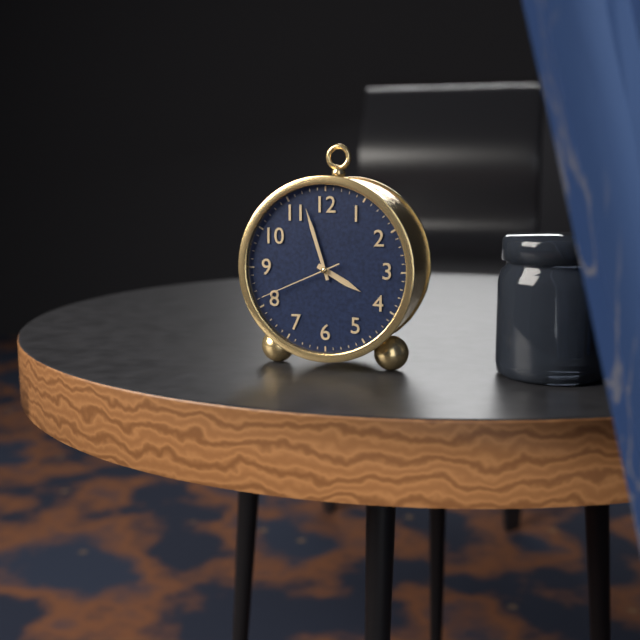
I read h=3 m=57 s=41
